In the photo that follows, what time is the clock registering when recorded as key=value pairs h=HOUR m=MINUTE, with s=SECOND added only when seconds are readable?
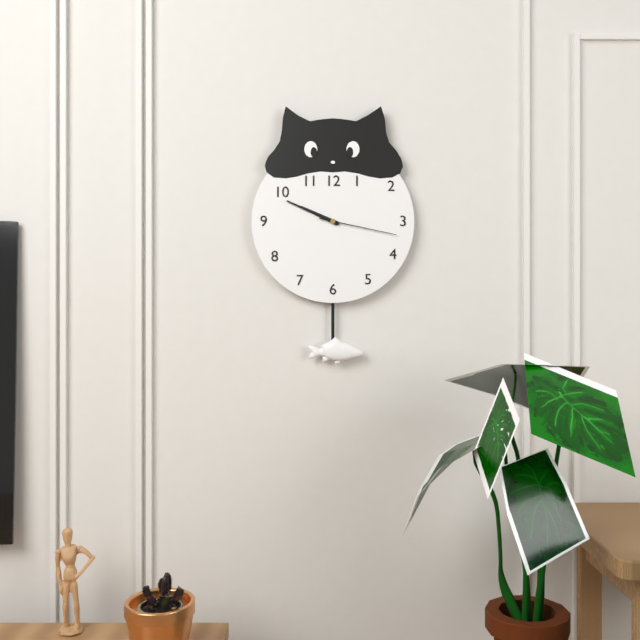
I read h=9 m=49 s=17
